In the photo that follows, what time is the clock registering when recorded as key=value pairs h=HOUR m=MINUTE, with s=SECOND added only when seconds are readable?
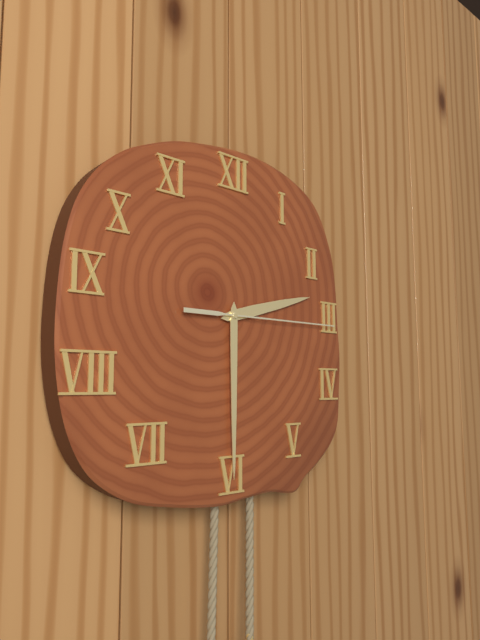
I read h=2 m=30 s=15
